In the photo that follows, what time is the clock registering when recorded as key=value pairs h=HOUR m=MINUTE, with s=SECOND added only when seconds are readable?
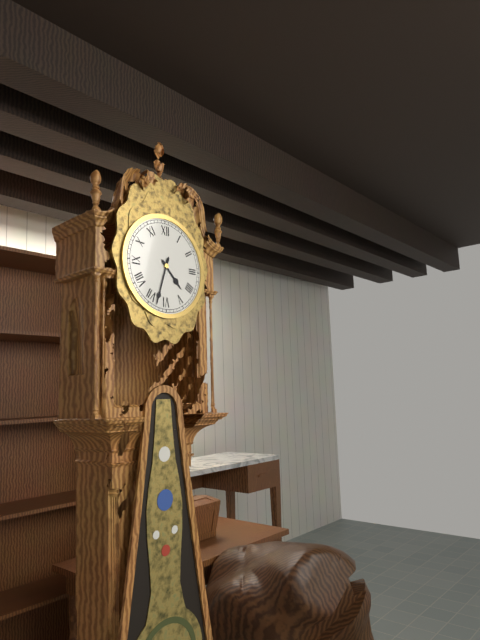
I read h=4 m=33
